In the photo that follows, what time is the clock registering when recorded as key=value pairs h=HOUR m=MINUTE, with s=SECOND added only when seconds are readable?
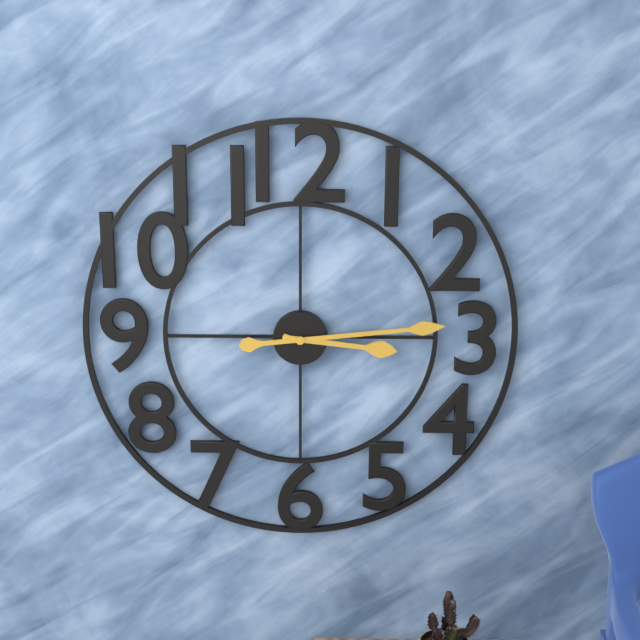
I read h=3 m=14
